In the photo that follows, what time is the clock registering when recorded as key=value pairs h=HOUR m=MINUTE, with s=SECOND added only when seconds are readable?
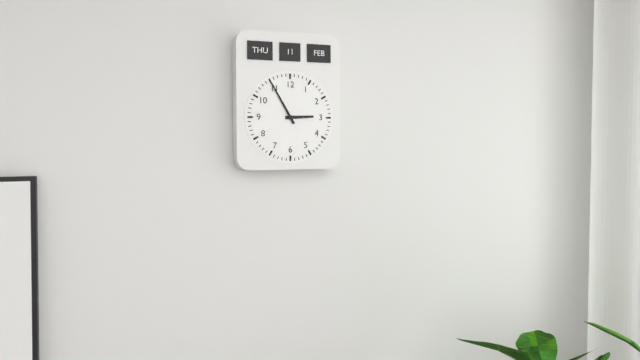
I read h=2 m=55
